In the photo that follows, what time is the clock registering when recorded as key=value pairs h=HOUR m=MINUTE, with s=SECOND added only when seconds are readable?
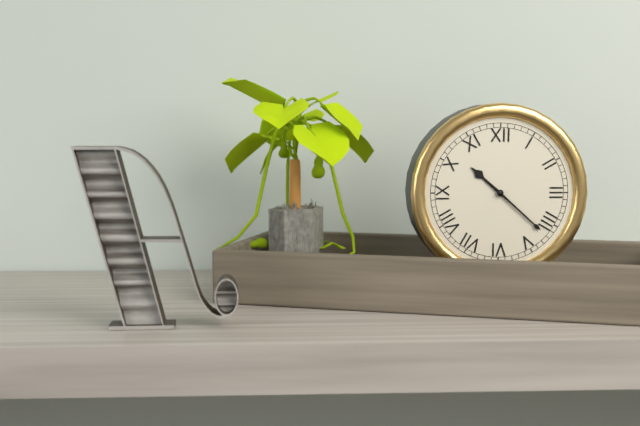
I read h=10 m=22
